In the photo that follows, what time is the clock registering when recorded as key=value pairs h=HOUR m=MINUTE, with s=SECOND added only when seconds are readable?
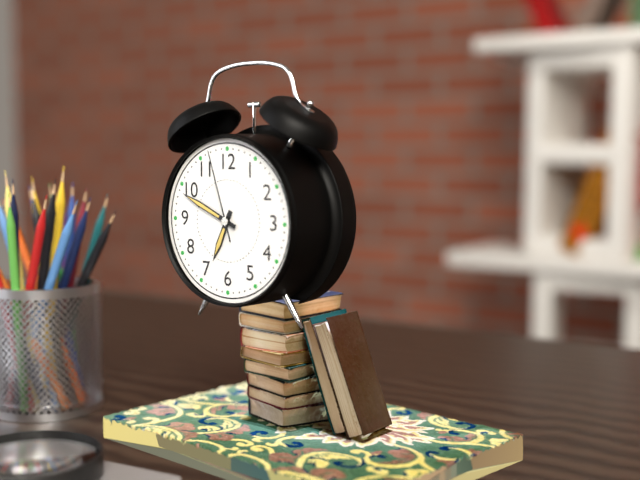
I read h=6 m=49 s=57
